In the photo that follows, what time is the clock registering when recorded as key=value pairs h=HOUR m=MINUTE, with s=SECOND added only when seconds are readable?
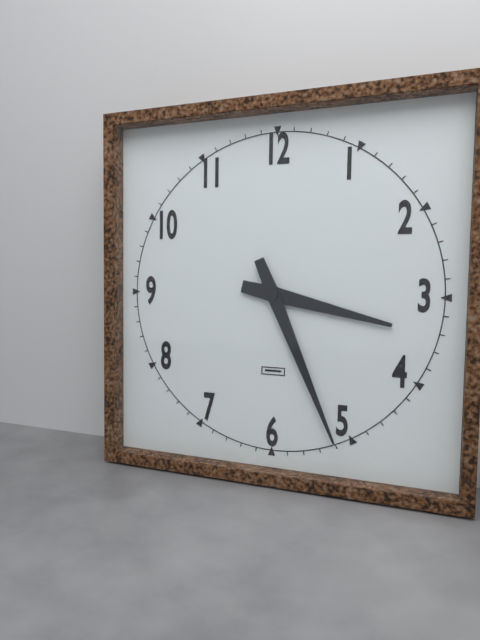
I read h=3 m=26
